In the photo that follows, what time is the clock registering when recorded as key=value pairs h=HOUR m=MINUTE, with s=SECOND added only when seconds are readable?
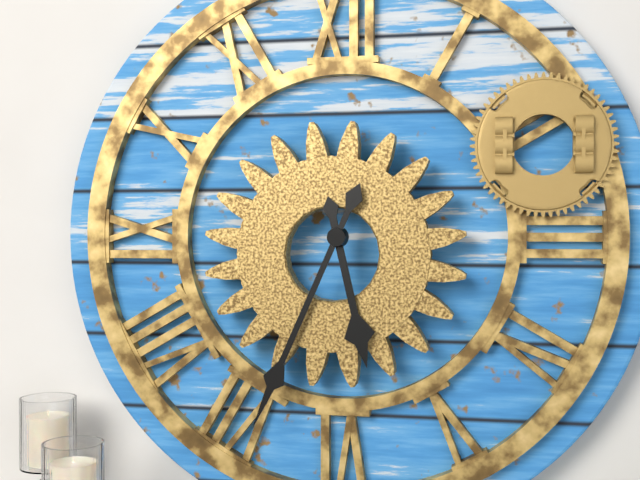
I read h=5 m=34
